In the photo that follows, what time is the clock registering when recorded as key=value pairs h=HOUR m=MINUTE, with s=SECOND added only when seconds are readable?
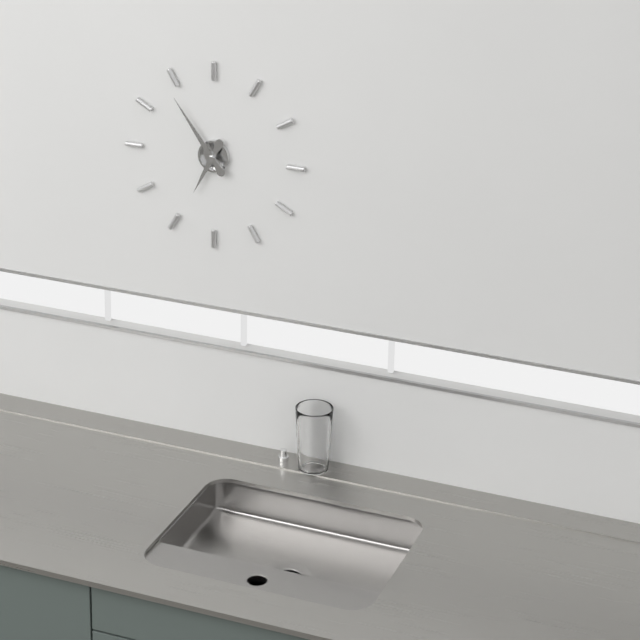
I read h=6 m=54
